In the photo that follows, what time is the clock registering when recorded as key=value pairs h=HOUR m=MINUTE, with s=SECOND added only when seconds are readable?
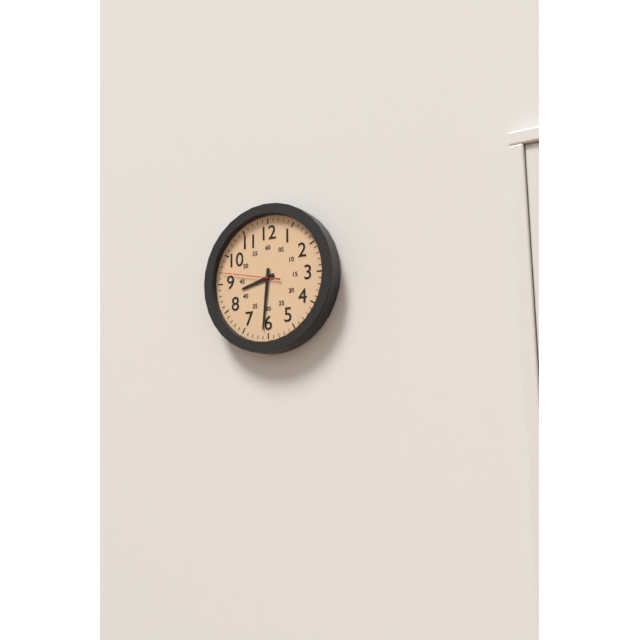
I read h=8 m=31 s=47
